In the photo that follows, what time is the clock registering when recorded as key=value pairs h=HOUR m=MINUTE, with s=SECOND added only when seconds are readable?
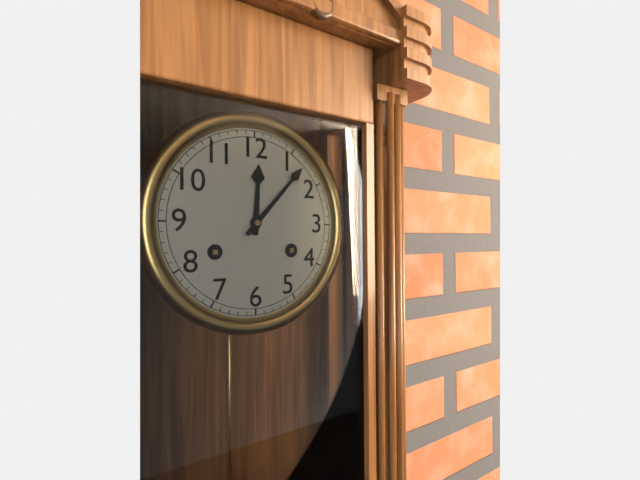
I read h=12 m=7
